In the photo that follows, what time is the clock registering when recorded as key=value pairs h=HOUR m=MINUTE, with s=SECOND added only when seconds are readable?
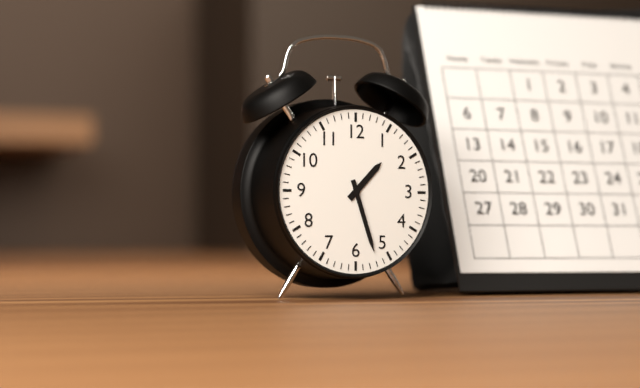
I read h=1 m=27
